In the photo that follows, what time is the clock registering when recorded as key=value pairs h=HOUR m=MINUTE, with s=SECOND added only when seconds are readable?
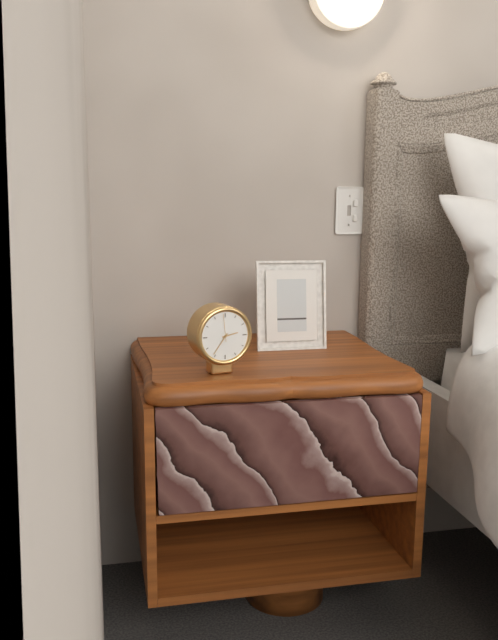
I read h=2 m=36
